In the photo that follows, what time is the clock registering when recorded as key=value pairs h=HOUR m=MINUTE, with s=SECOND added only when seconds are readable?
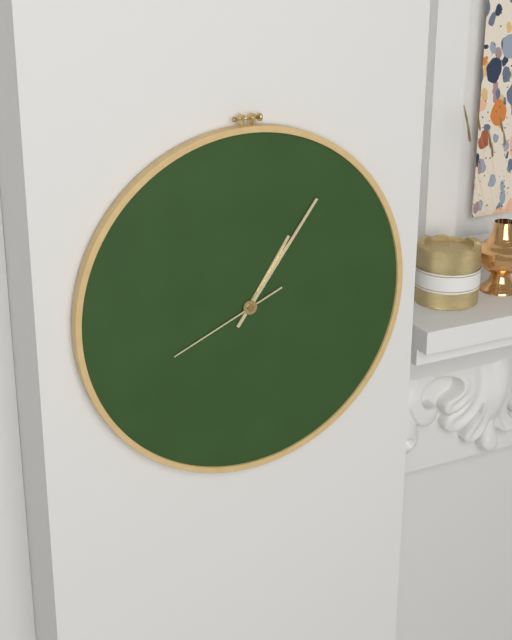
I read h=1 m=6 s=41
